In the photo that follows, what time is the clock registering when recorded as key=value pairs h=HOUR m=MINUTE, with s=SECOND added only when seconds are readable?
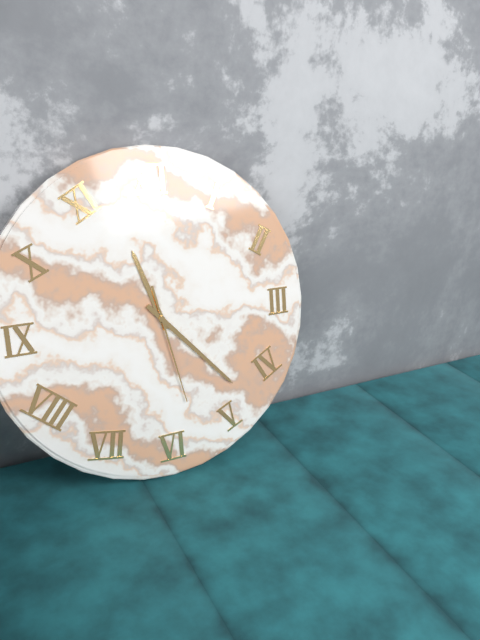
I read h=11 m=23 s=28
